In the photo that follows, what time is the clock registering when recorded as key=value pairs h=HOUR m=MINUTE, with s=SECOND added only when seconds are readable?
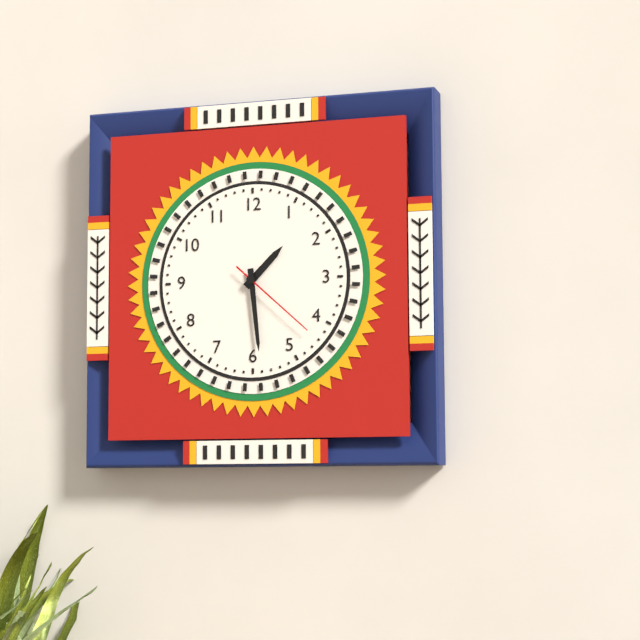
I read h=1 m=29 s=22
